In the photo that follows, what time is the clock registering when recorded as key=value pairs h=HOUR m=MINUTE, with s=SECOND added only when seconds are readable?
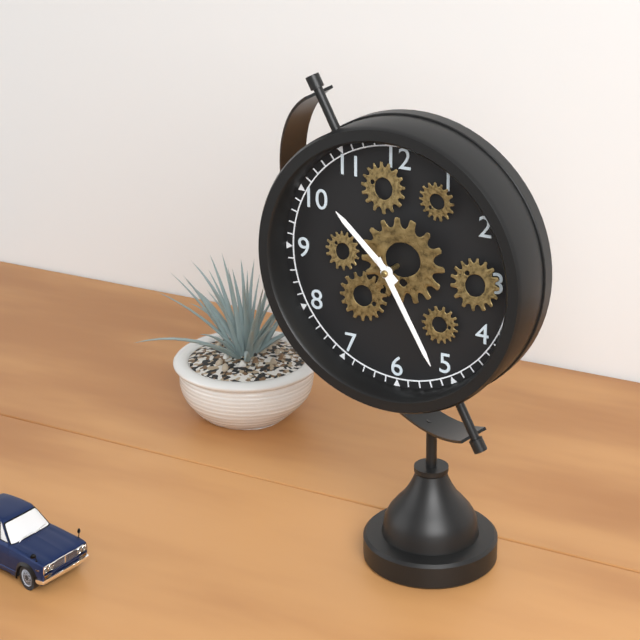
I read h=10 m=25
